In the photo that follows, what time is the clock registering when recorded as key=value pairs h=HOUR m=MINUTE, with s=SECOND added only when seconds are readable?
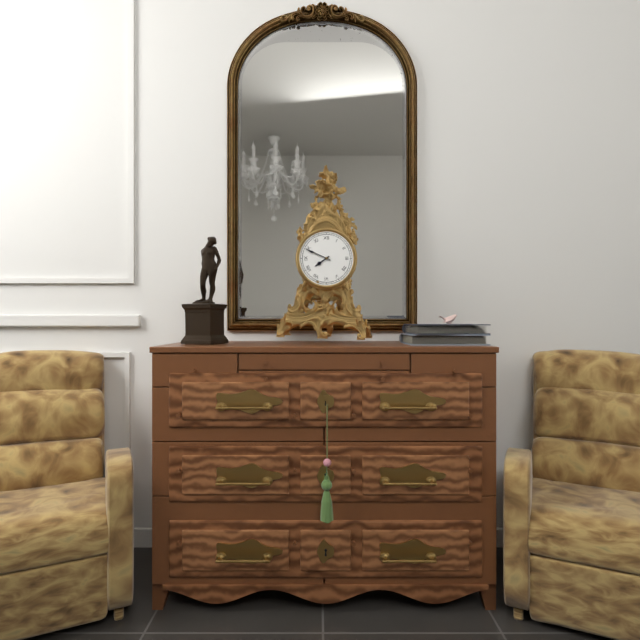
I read h=7 m=49
